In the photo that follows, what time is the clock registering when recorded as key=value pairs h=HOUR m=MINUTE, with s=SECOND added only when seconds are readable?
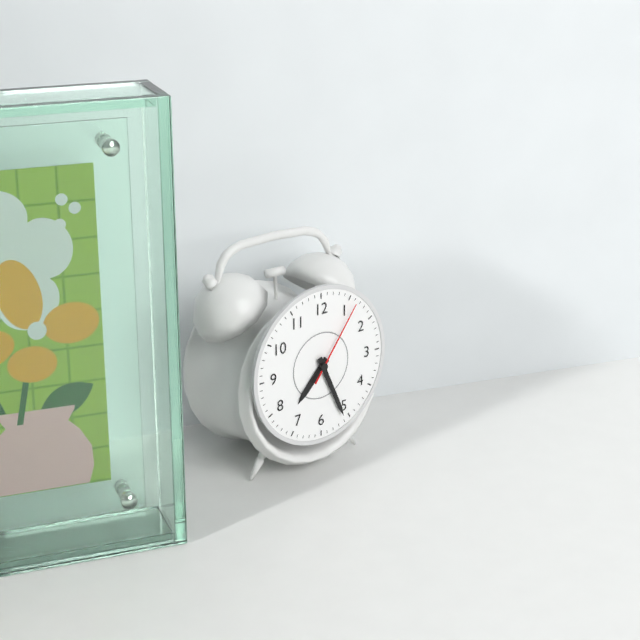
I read h=7 m=26 s=6
